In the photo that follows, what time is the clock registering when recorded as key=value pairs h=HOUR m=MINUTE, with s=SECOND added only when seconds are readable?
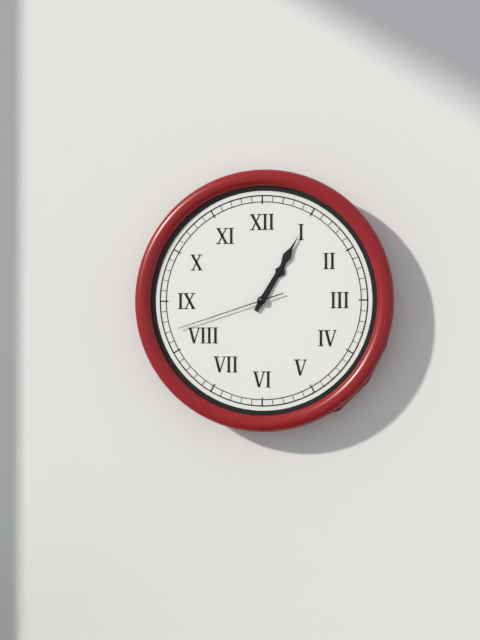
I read h=1 m=5 s=42
